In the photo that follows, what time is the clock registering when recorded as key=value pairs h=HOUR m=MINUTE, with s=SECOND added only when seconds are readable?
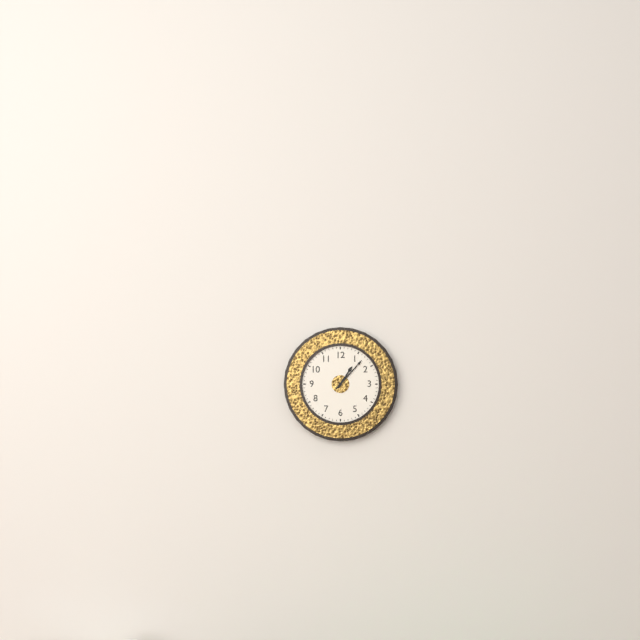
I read h=1 m=7
